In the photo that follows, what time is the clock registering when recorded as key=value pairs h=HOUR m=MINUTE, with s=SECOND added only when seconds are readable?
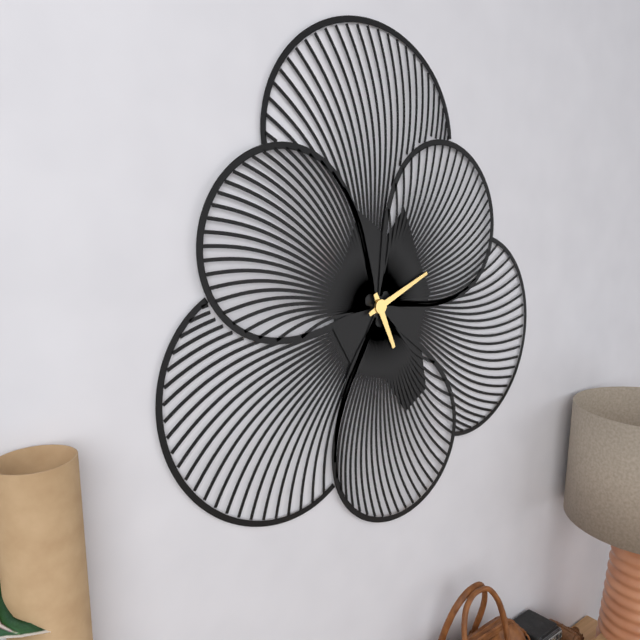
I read h=5 m=11
